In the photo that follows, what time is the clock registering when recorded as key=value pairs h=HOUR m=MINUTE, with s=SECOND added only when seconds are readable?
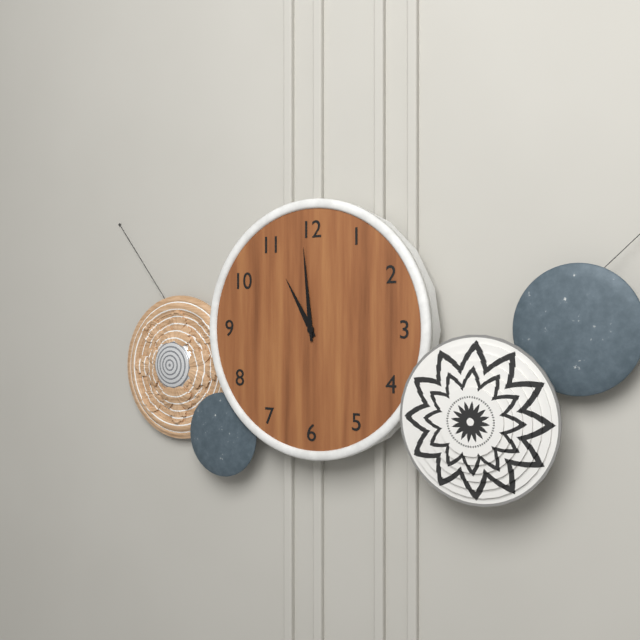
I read h=10 m=59
